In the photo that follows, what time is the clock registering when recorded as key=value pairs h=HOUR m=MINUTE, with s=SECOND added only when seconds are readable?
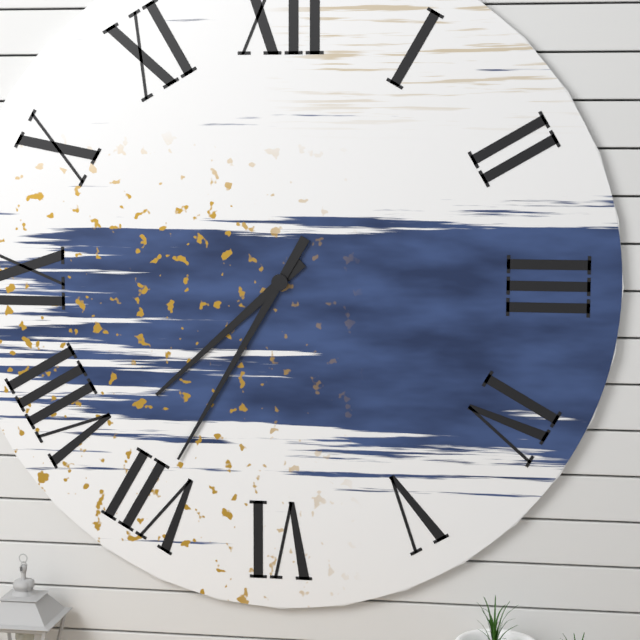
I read h=7 m=35
